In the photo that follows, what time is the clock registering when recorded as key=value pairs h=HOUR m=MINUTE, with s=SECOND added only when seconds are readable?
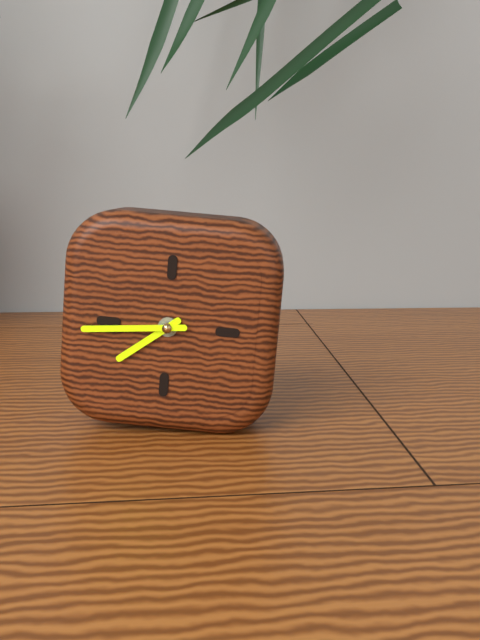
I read h=7 m=44
